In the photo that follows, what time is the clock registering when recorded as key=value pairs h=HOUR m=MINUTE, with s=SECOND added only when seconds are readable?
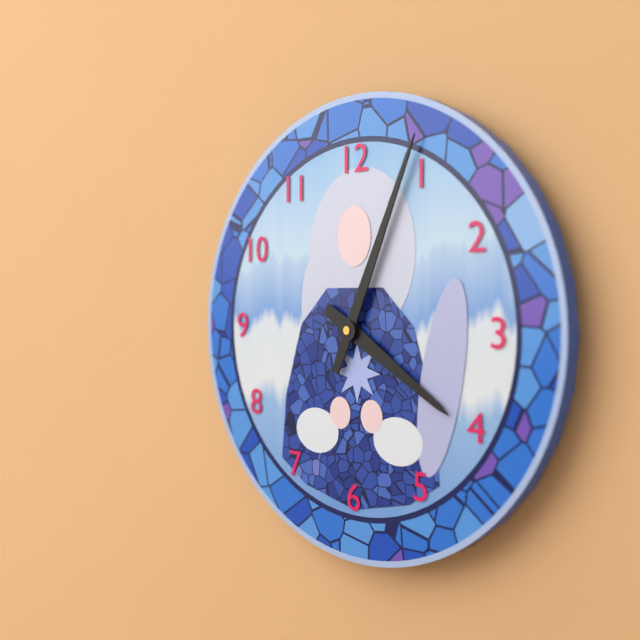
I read h=4 m=4
